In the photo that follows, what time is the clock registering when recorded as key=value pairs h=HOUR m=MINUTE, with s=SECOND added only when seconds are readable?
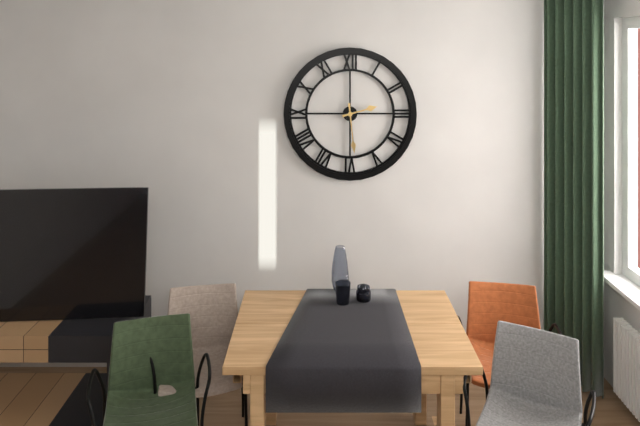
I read h=2 m=29
